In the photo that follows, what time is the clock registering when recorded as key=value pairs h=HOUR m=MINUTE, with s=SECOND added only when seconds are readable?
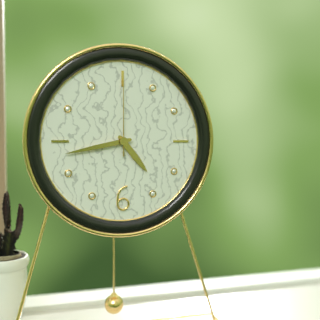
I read h=4 m=43 s=0
